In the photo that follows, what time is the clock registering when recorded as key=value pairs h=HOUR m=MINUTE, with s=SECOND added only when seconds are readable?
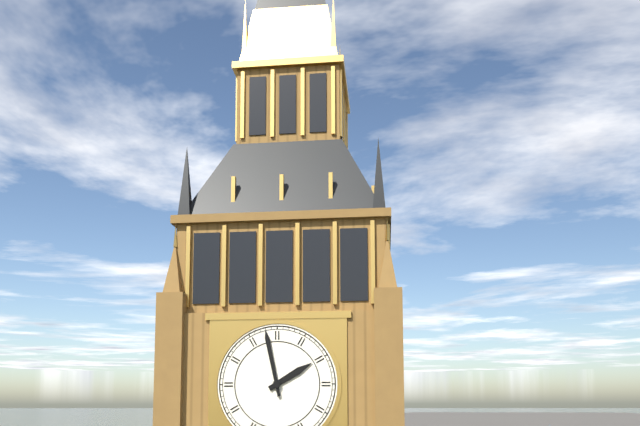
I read h=1 m=58
